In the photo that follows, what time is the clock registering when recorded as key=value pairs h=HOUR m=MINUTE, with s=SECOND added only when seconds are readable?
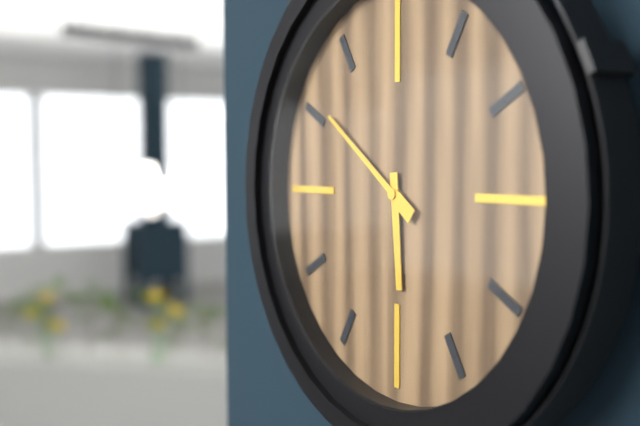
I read h=5 m=51
